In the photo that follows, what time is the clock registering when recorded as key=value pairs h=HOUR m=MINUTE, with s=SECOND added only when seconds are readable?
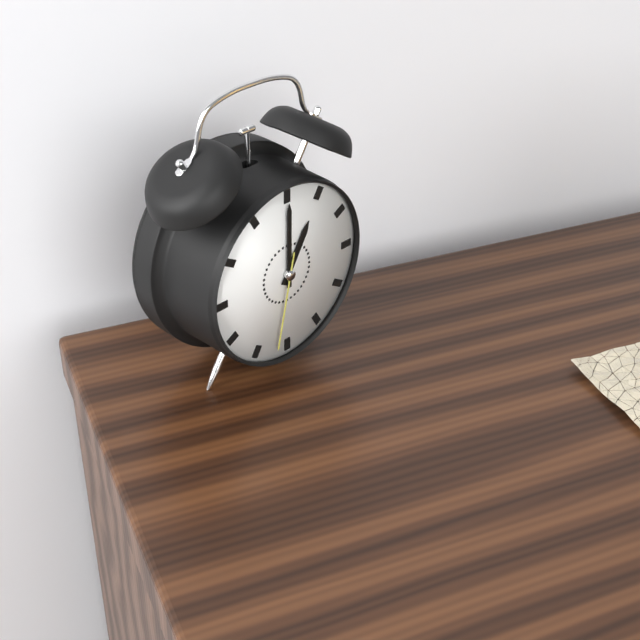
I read h=1 m=0 s=32
